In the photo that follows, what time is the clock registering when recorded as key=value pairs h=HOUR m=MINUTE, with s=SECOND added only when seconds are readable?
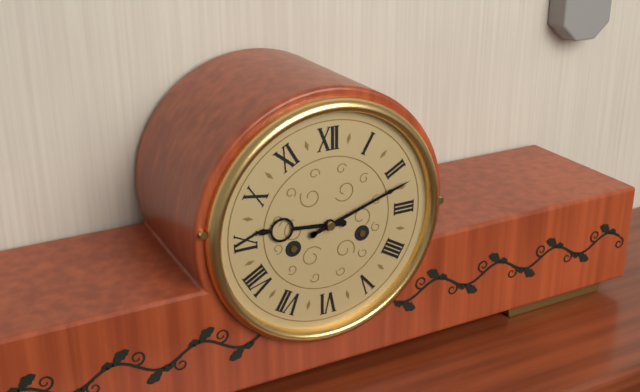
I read h=9 m=12
